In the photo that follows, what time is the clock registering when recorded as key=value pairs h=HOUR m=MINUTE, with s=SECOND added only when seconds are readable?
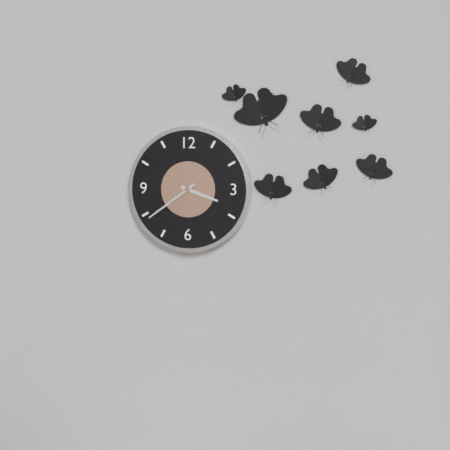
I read h=3 m=39
